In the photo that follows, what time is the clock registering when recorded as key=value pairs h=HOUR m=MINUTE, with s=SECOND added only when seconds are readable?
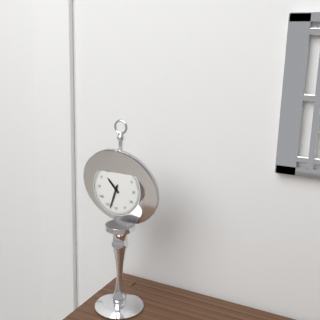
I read h=10 m=33
